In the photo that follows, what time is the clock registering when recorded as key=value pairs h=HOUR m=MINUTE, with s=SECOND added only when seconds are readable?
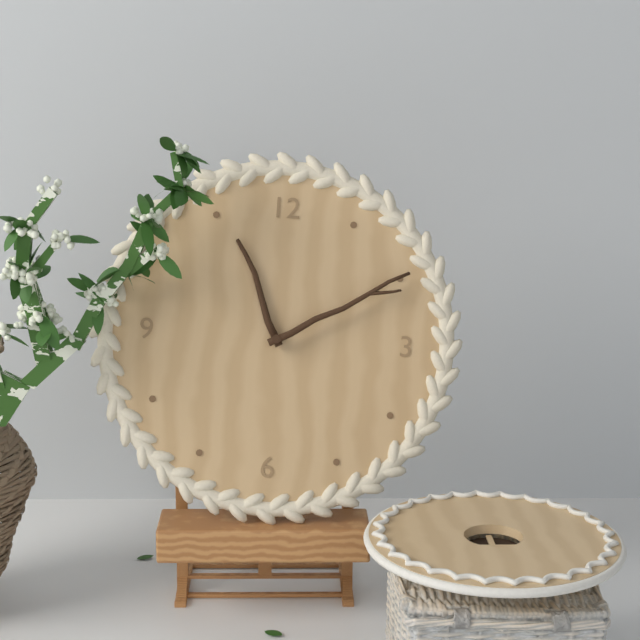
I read h=11 m=10
